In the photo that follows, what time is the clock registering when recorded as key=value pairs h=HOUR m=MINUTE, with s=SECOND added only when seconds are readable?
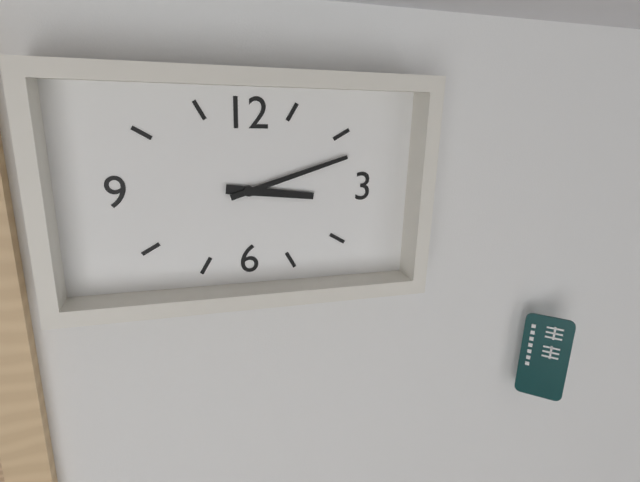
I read h=3 m=12
